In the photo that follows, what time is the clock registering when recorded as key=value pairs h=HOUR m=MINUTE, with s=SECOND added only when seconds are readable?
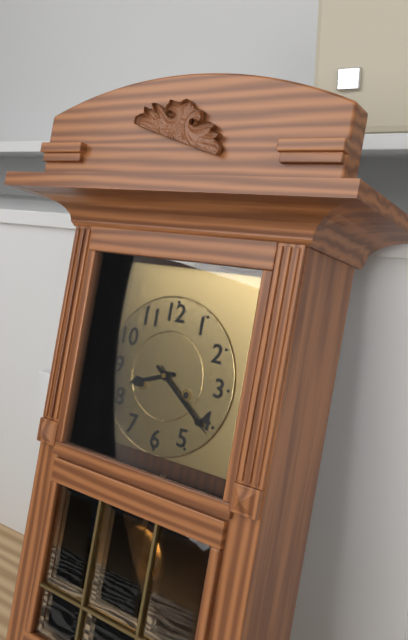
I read h=8 m=21
